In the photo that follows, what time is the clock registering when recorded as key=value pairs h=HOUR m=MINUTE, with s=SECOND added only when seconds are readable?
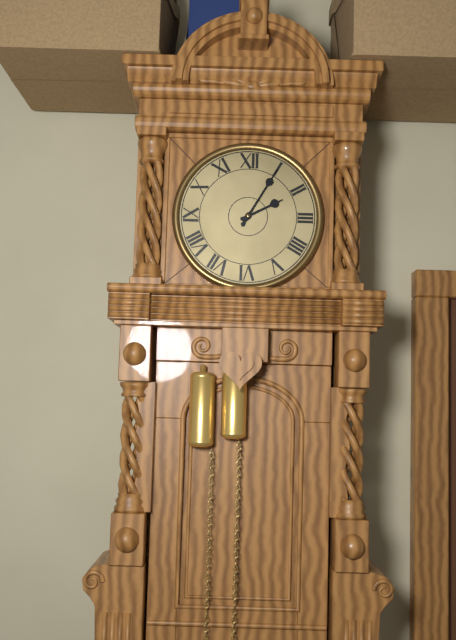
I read h=2 m=5
